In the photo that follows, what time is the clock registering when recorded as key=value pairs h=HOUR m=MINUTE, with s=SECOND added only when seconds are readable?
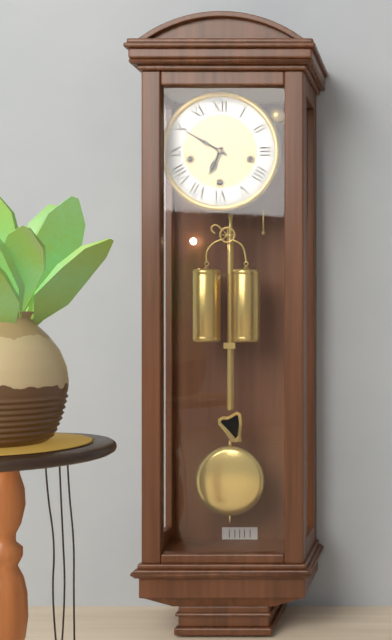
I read h=6 m=50
